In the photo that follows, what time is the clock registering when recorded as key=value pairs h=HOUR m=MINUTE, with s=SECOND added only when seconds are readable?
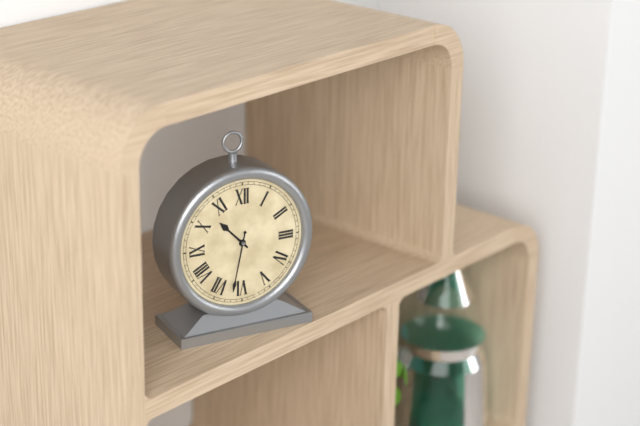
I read h=10 m=32
